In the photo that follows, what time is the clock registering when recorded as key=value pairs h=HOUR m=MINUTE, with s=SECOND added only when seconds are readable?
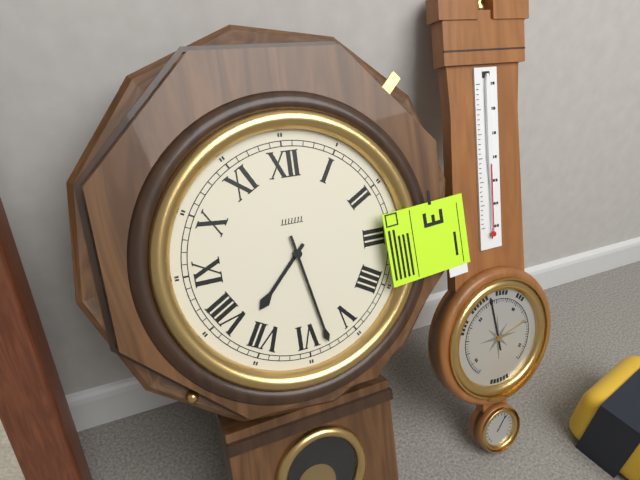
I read h=7 m=28
